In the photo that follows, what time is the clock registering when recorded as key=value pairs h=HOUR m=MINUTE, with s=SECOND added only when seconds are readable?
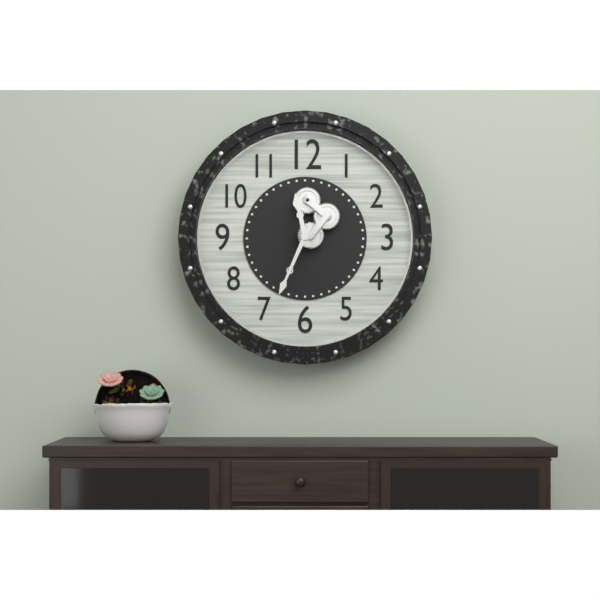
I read h=11 m=34
